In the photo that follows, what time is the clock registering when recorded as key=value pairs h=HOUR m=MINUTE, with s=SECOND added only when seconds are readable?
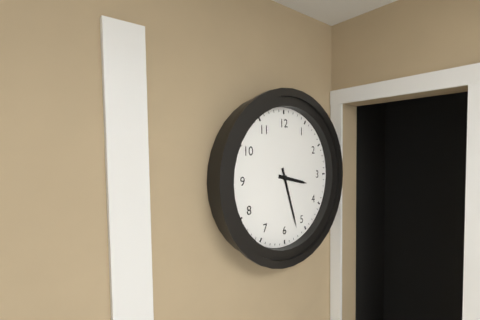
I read h=3 m=27
